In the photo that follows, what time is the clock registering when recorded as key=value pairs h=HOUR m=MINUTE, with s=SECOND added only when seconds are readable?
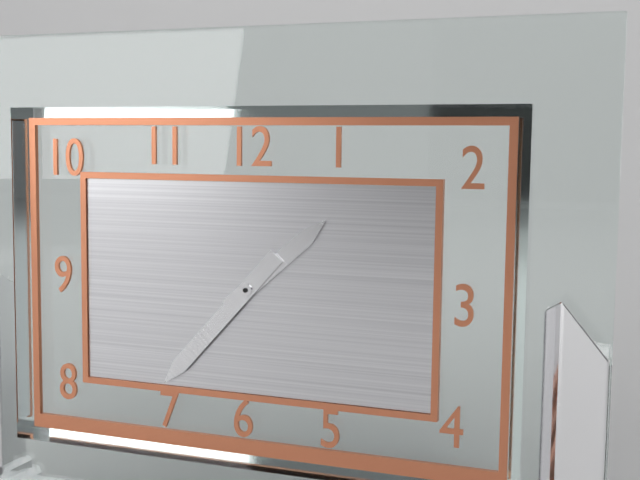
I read h=1 m=37
